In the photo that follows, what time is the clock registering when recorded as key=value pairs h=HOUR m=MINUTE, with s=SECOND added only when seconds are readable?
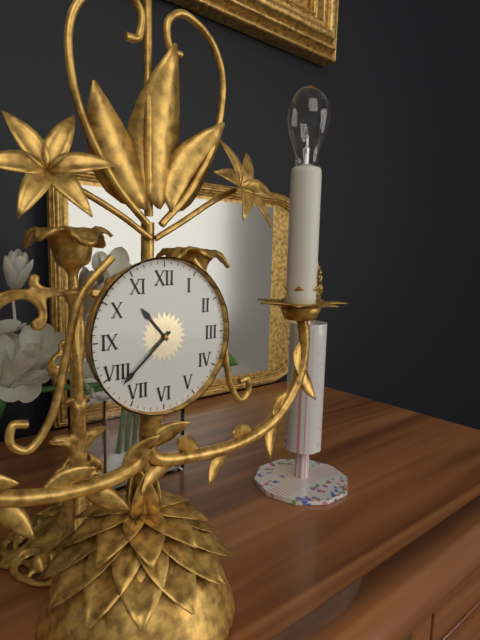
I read h=10 m=38
